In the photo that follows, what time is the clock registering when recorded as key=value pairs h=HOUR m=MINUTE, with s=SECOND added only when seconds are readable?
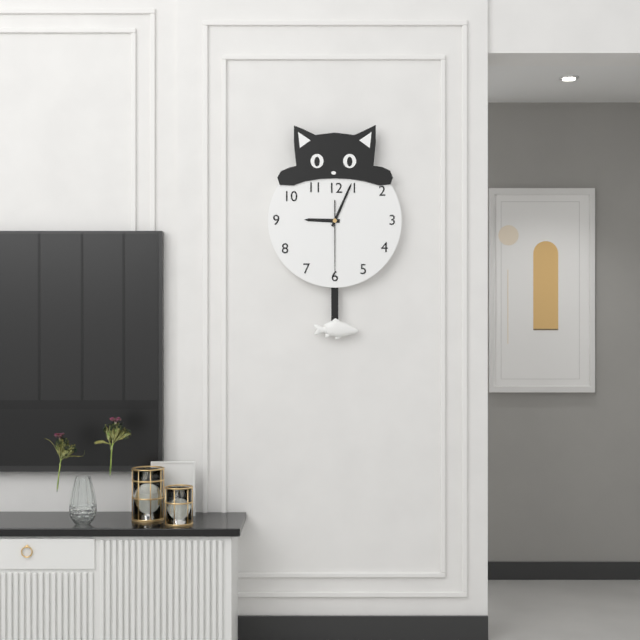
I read h=9 m=4 s=30
